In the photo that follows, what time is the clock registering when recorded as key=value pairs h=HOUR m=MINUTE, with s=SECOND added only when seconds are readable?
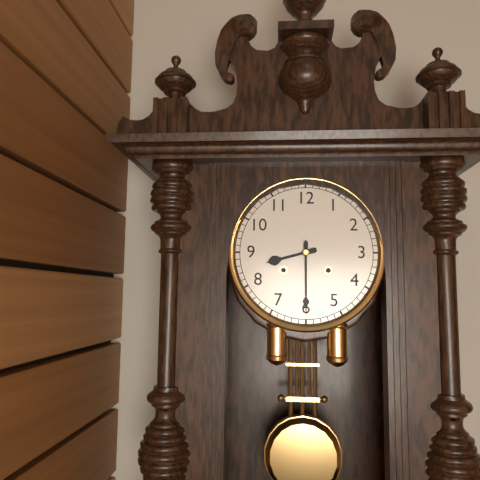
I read h=8 m=30
